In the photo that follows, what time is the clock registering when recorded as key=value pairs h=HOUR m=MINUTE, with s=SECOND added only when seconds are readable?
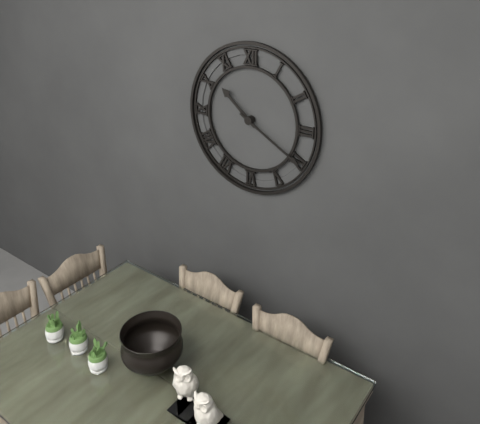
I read h=10 m=20
